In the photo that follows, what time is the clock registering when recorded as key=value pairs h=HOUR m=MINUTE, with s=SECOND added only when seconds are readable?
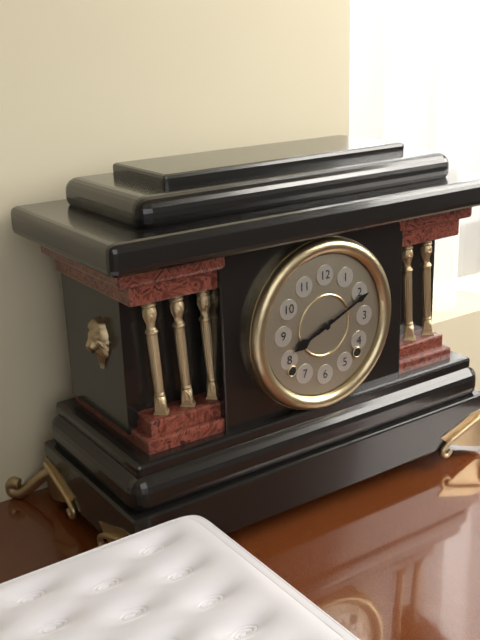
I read h=8 m=11
